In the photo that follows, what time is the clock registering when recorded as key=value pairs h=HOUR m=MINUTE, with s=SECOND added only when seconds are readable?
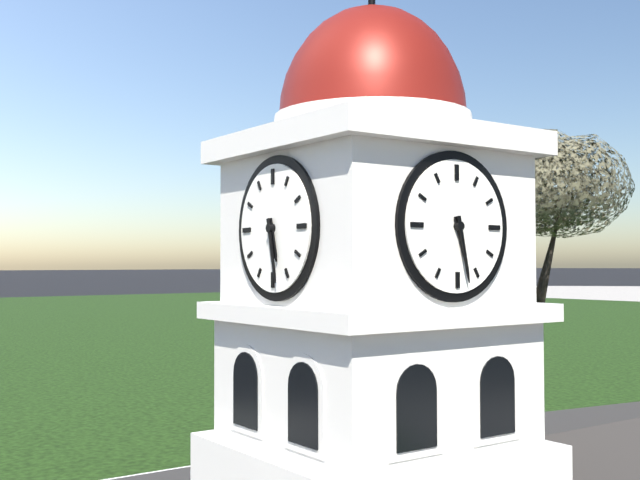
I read h=5 m=28
